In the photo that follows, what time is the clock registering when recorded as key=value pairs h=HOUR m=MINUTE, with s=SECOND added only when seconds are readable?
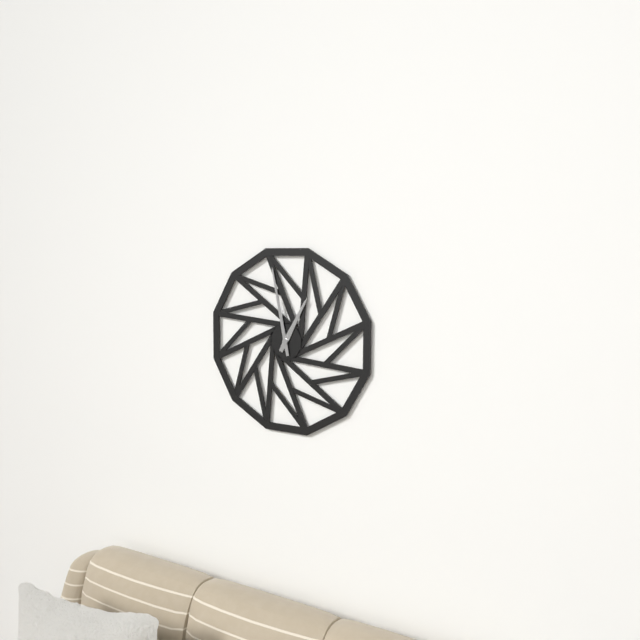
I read h=12 m=58
